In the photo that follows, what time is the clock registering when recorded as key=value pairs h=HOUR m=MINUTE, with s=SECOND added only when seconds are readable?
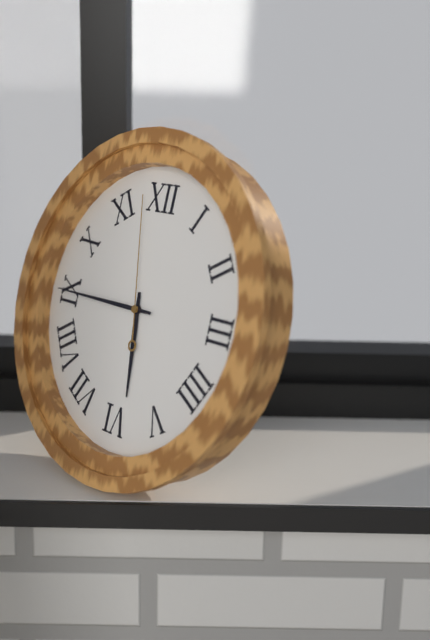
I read h=5 m=45 s=58
